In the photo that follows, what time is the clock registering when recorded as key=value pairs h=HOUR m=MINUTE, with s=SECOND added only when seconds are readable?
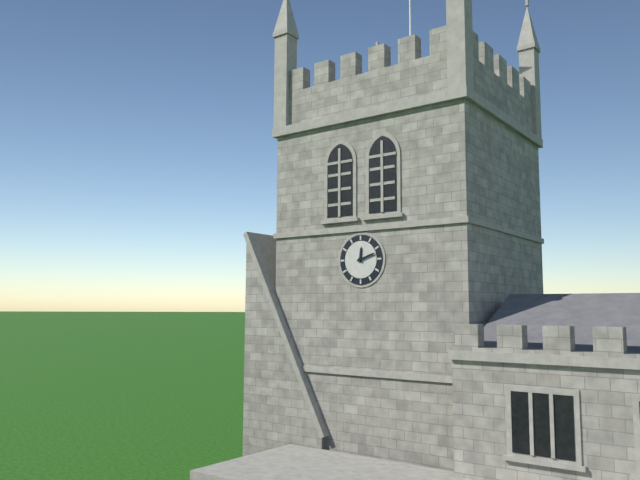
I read h=12 m=12
